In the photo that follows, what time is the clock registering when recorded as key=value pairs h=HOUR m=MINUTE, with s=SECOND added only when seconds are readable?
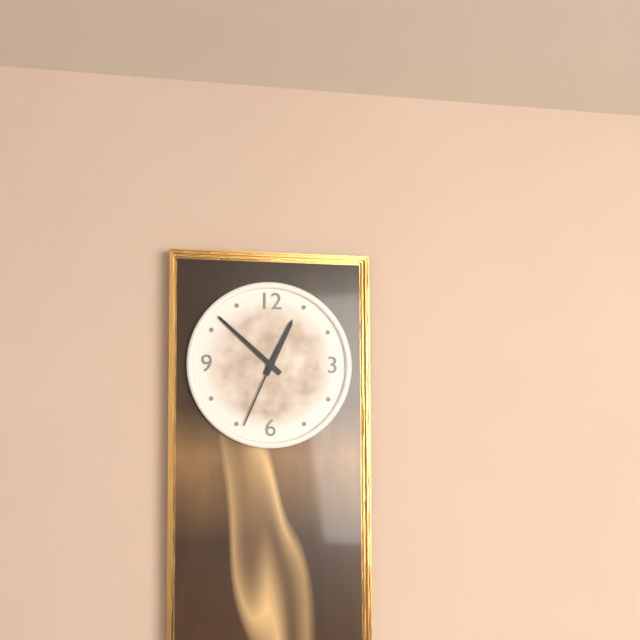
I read h=12 m=52 s=34
